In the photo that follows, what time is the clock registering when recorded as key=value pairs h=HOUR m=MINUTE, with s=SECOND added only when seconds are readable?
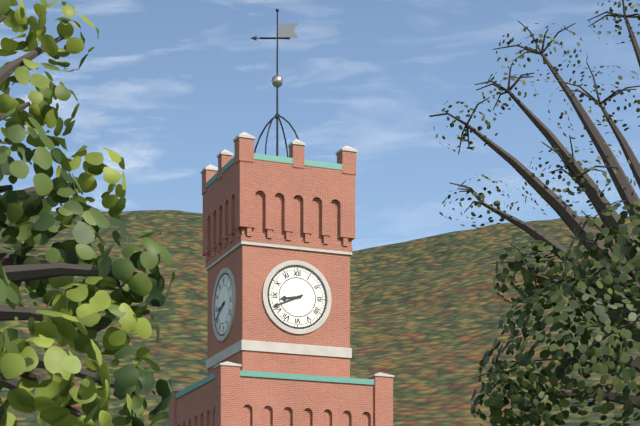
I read h=8 m=41
